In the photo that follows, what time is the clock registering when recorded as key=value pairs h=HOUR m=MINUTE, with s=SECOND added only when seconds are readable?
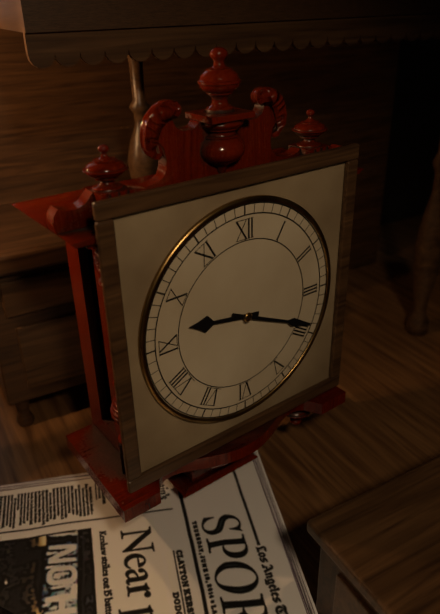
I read h=9 m=19
